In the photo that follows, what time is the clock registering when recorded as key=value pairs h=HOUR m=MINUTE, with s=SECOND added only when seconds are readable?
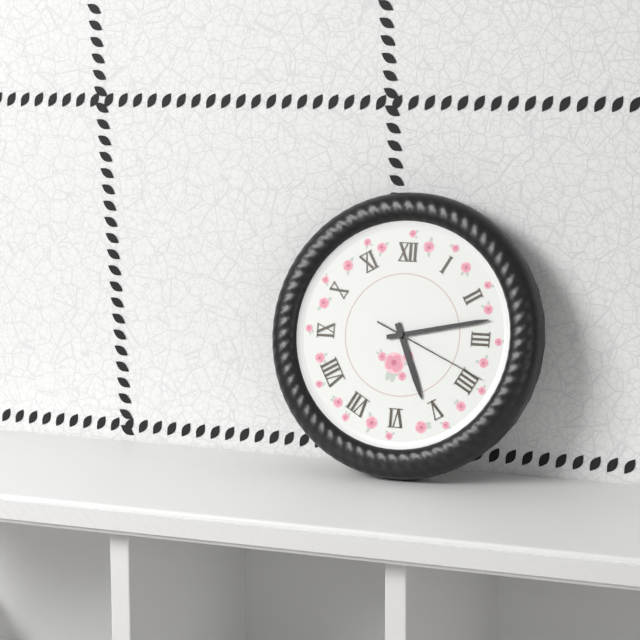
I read h=5 m=13 s=19
